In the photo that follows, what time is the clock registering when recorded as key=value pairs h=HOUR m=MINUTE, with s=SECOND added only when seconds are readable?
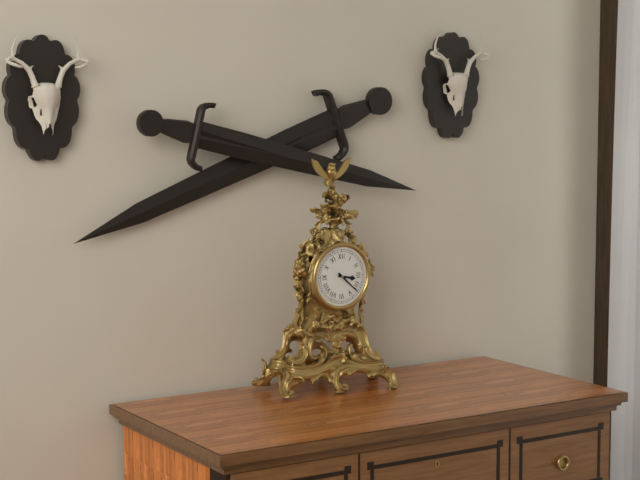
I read h=3 m=22
